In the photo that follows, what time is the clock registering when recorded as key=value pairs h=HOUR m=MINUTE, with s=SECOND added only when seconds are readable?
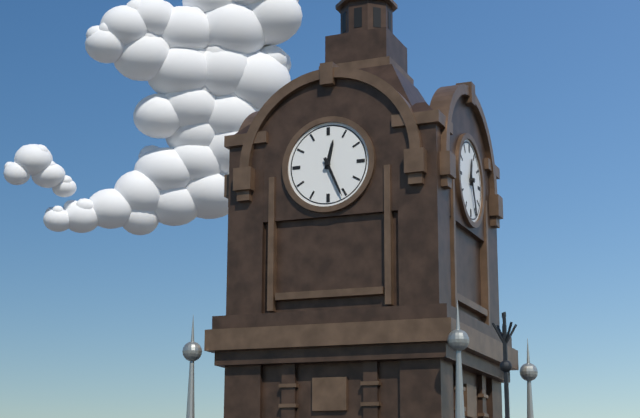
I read h=12 m=26
